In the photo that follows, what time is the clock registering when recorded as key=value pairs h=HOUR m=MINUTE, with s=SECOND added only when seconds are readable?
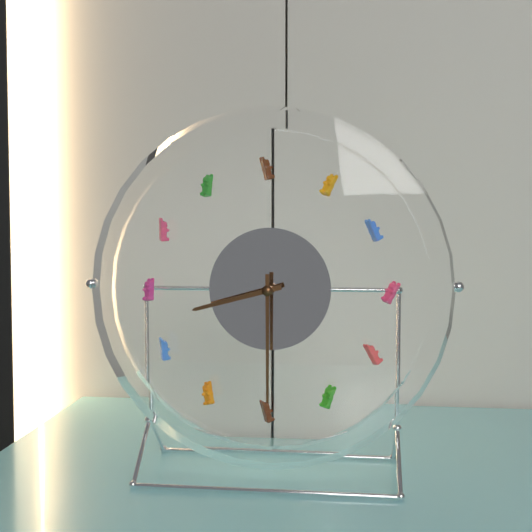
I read h=8 m=30
